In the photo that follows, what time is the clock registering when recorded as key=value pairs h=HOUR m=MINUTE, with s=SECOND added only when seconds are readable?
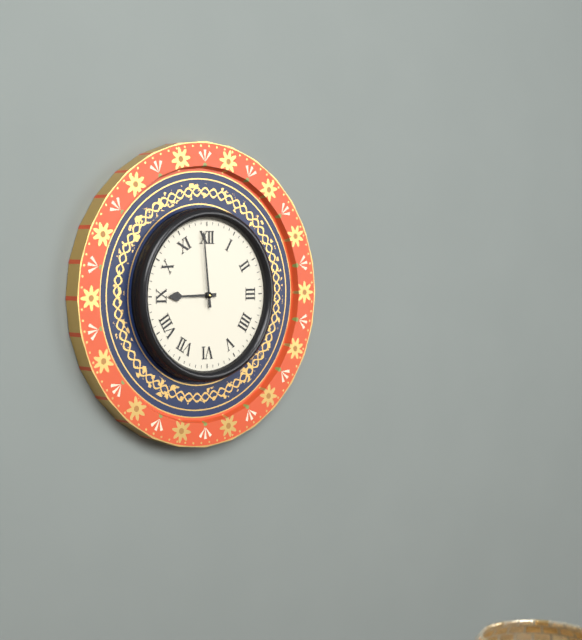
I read h=8 m=59
